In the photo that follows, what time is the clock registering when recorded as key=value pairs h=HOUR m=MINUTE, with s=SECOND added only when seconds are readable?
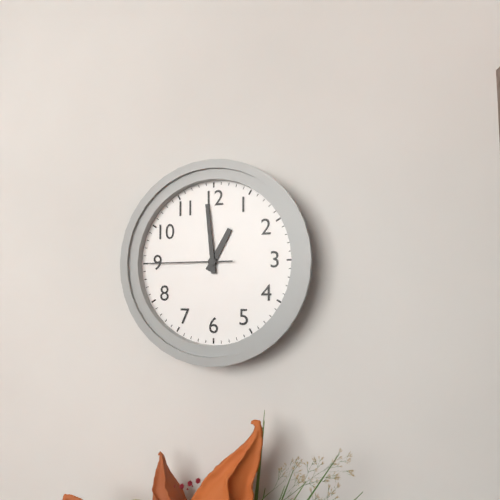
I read h=12 m=59 s=45
